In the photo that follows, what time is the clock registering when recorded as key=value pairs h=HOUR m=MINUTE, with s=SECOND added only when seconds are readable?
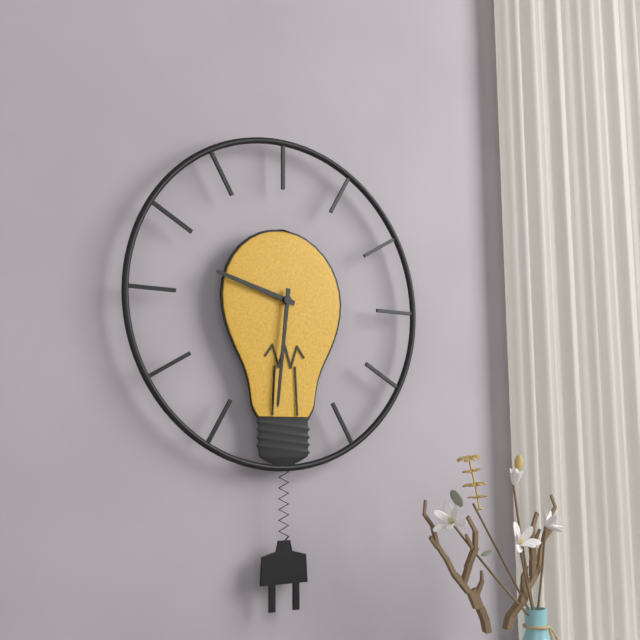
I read h=9 m=31
